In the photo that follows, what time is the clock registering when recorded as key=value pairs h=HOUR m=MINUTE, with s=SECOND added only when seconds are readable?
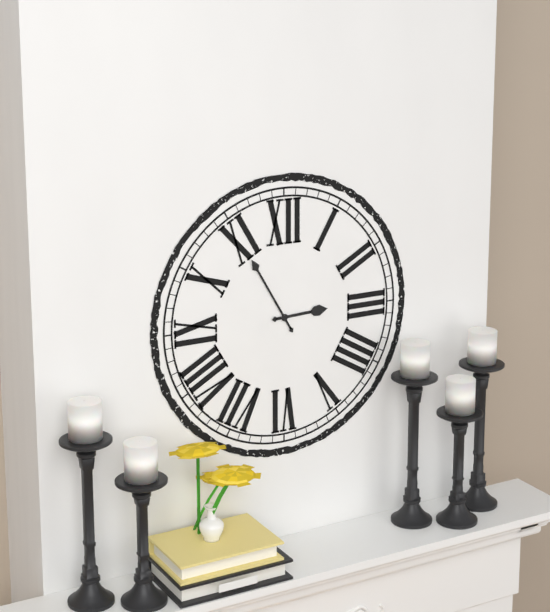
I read h=2 m=55
